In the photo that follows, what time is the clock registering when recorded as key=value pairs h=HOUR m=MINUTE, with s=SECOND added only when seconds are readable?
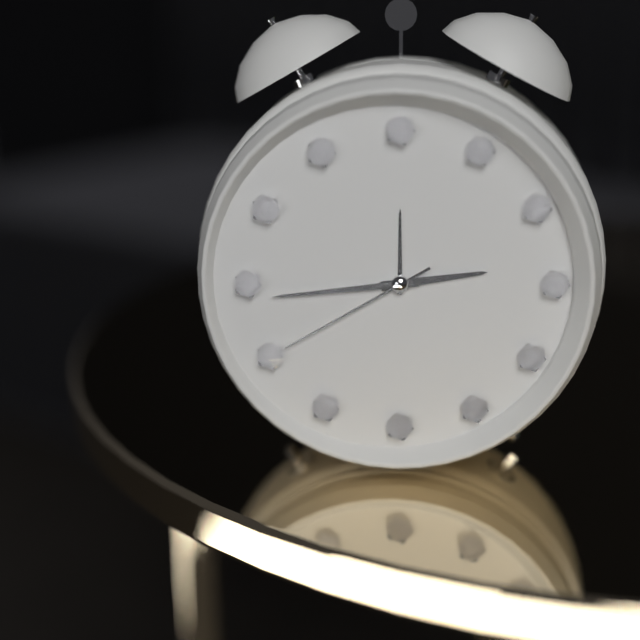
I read h=2 m=44 s=40
